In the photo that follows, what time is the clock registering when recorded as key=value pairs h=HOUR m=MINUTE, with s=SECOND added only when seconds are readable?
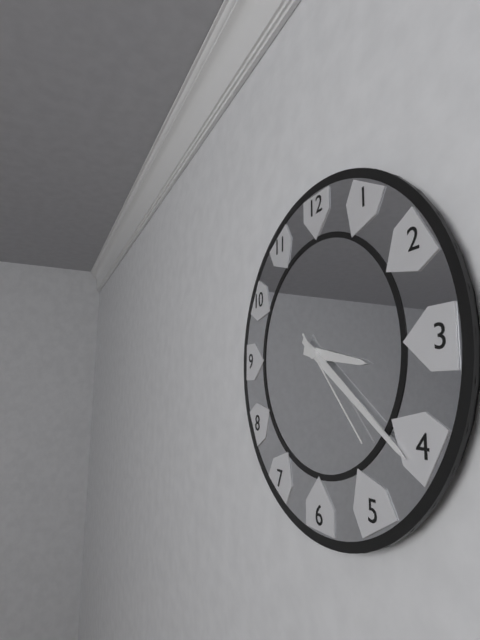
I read h=3 m=21 s=23
